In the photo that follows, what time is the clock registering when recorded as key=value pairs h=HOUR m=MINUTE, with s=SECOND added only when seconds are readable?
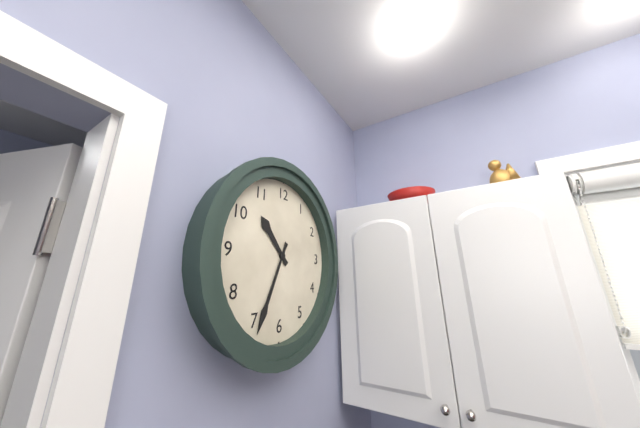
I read h=10 m=34
